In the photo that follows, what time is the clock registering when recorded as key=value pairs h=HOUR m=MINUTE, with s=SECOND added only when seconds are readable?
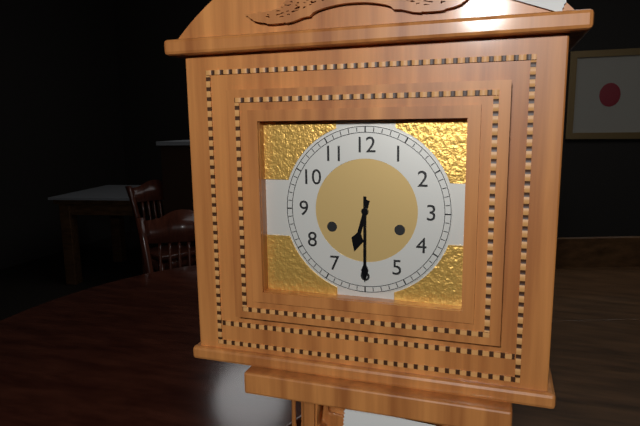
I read h=6 m=30
